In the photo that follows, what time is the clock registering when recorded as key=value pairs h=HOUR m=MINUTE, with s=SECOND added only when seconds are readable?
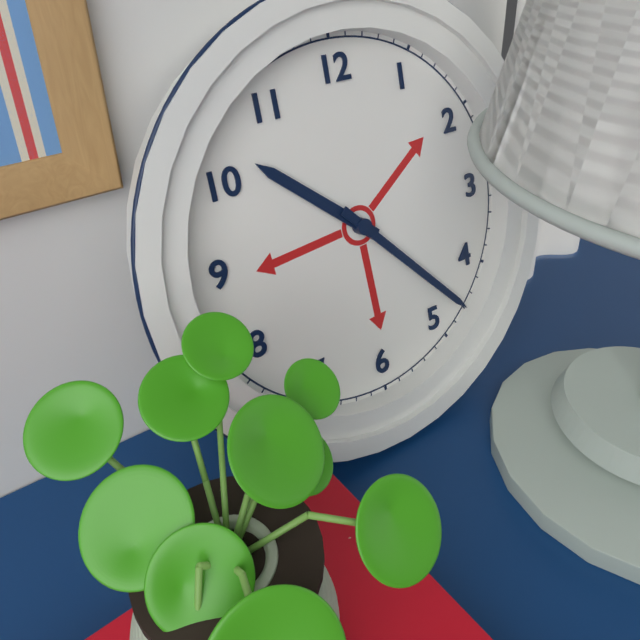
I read h=10 m=23
